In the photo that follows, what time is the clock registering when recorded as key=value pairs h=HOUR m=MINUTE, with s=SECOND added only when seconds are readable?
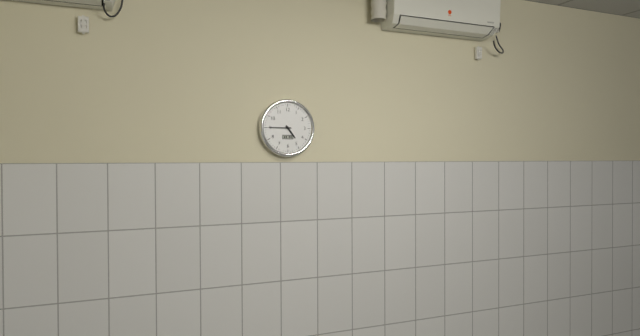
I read h=4 m=45
